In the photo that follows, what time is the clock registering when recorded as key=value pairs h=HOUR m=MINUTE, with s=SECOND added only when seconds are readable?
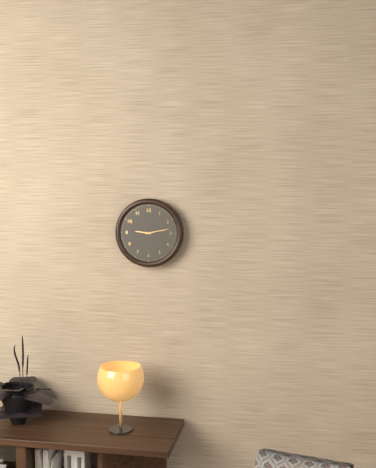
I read h=9 m=13
